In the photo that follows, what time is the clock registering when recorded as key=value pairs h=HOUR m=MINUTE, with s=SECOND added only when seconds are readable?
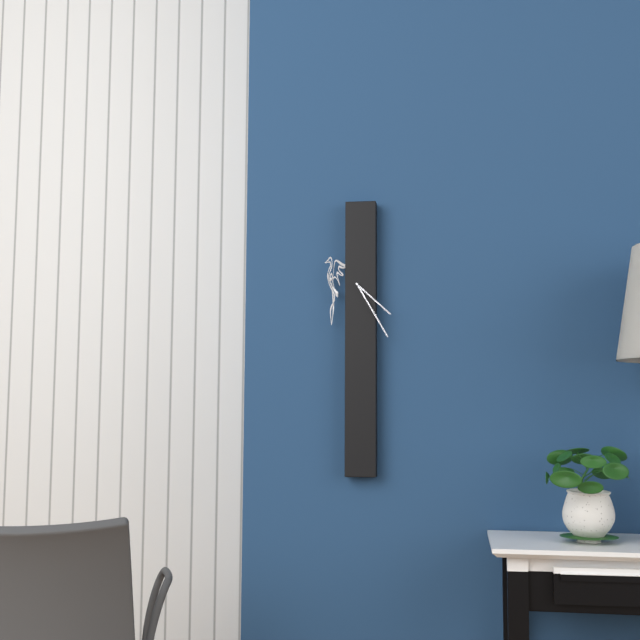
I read h=4 m=25
